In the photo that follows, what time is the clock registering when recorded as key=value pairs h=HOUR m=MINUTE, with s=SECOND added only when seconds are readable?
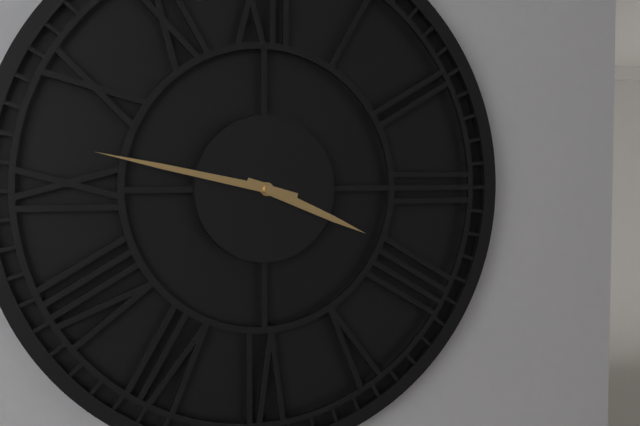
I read h=3 m=47
